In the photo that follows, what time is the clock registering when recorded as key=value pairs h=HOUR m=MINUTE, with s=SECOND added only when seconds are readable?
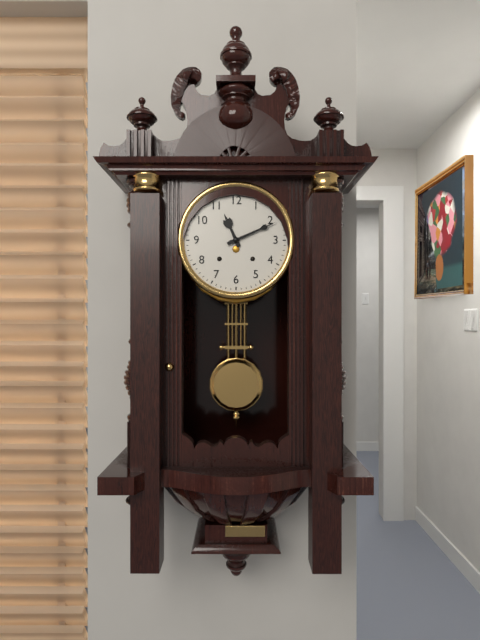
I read h=11 m=11
